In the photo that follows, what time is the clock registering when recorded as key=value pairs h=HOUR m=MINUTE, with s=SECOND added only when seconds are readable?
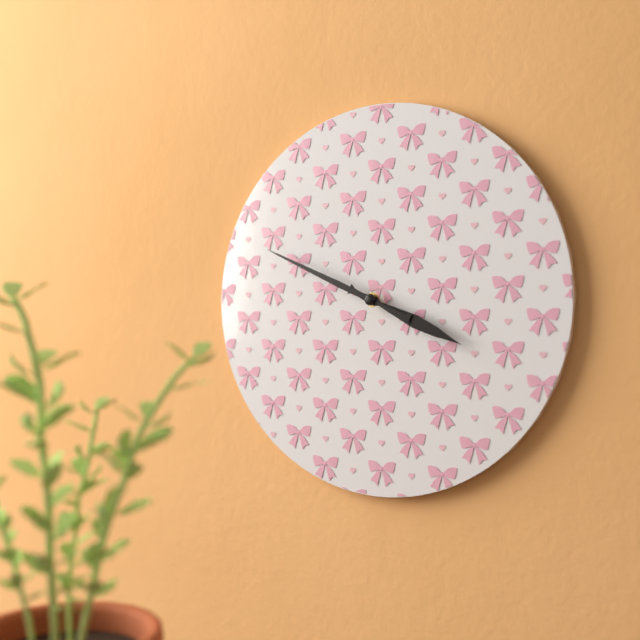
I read h=3 m=49
